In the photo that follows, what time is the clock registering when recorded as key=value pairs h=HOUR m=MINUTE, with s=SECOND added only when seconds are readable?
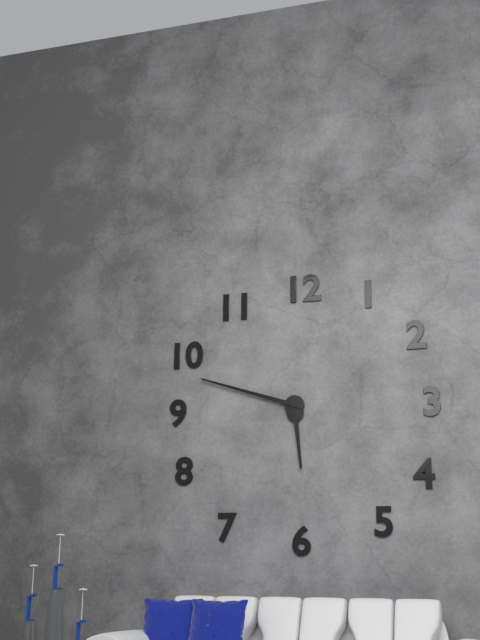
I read h=5 m=48
